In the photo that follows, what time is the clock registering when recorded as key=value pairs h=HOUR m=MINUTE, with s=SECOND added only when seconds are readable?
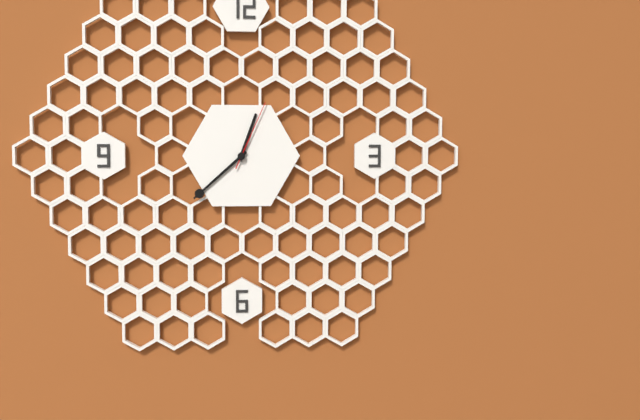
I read h=12 m=38 s=4
